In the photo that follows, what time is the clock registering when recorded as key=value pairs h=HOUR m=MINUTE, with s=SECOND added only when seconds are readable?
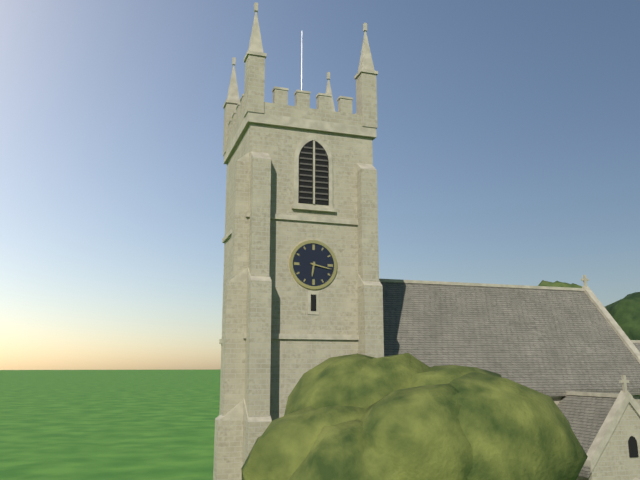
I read h=6 m=17
